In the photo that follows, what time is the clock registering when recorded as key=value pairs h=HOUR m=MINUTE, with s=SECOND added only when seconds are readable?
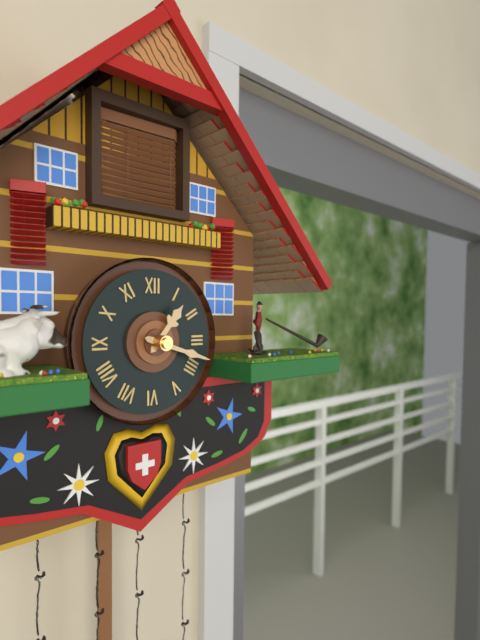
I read h=1 m=18
